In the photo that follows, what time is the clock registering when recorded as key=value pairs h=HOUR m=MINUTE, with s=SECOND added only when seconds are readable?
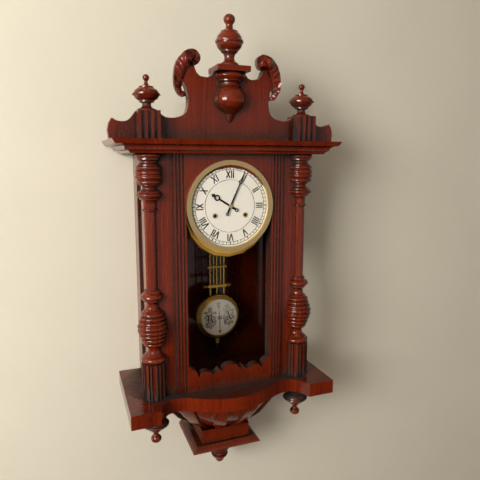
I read h=10 m=4
